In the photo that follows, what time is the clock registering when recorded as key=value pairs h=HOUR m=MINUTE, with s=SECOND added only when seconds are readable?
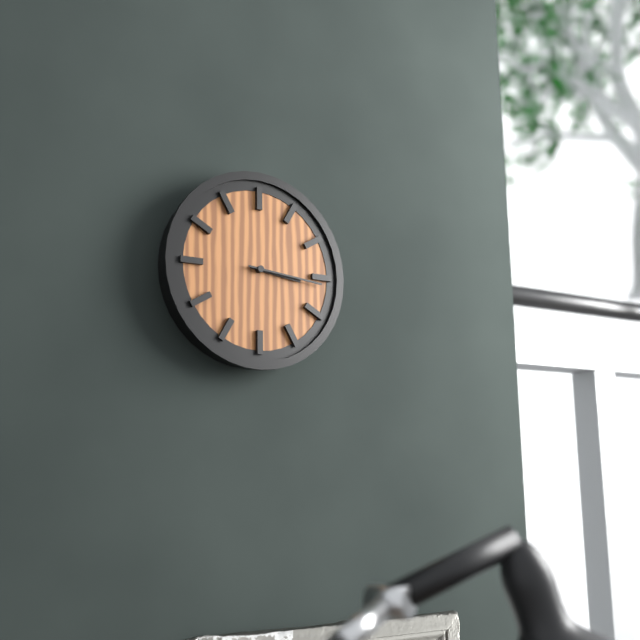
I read h=3 m=16
